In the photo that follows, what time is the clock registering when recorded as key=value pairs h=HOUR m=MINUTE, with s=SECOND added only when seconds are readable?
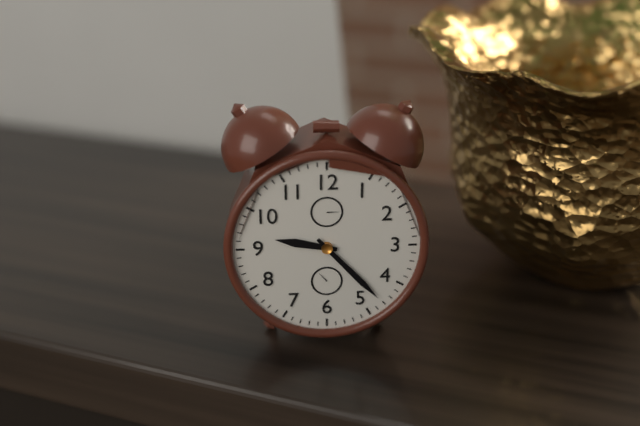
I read h=9 m=23
